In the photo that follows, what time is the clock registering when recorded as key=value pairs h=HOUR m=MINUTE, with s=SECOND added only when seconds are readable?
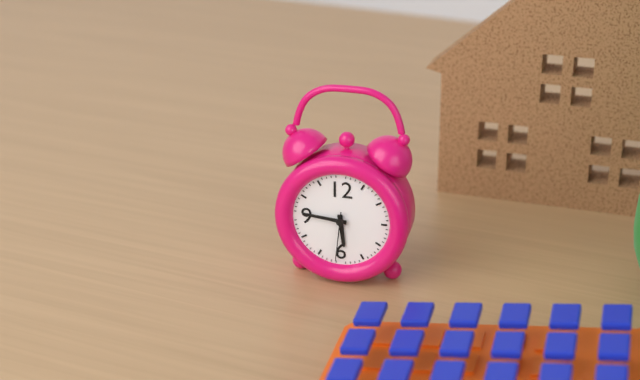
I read h=5 m=46
